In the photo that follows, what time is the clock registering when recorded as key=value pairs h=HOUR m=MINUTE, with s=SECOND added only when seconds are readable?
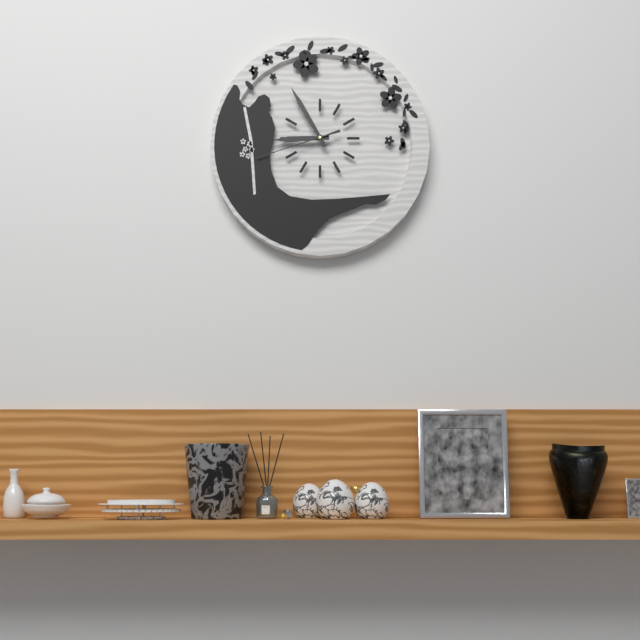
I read h=8 m=55 s=42
